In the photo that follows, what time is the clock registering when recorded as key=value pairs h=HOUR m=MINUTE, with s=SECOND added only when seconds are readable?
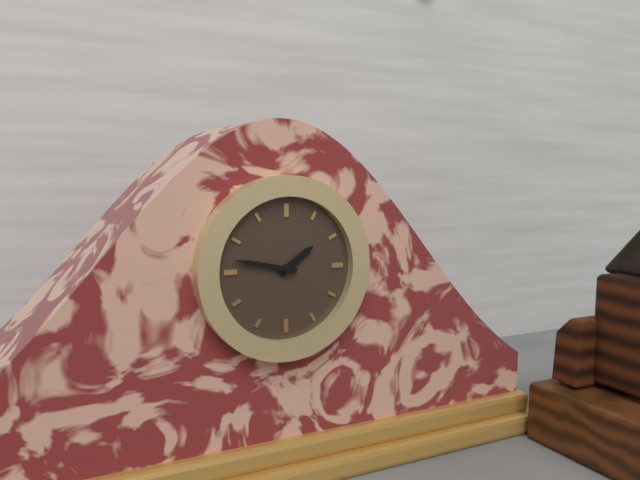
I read h=1 m=47
